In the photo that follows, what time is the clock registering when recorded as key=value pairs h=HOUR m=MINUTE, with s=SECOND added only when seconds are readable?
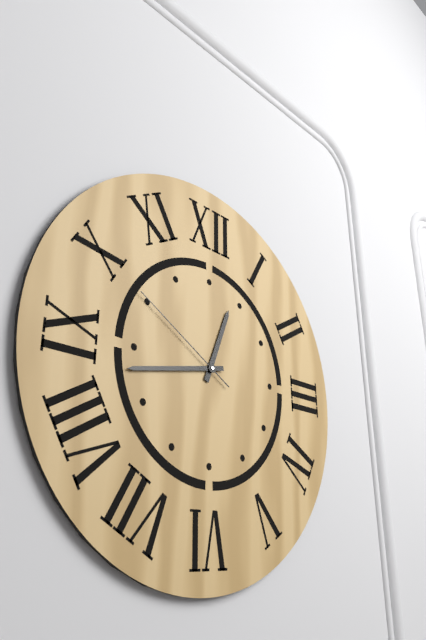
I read h=12 m=43 s=50
